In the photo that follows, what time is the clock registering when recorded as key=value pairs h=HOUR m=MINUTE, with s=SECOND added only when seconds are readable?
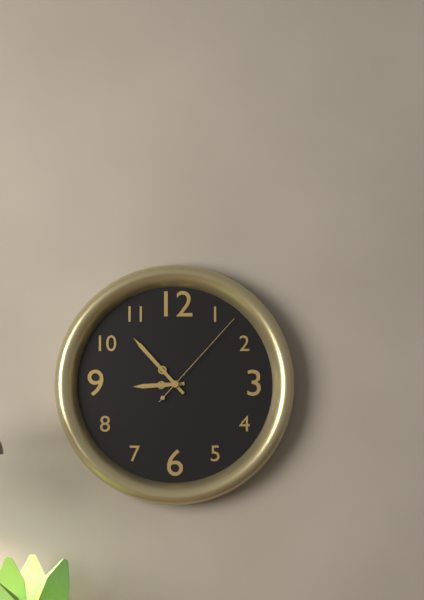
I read h=8 m=53 s=7
